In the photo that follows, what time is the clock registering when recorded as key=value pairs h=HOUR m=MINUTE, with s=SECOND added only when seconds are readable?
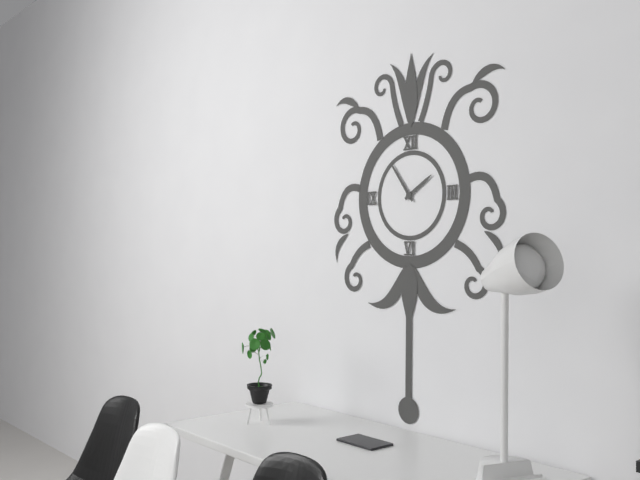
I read h=1 m=54
